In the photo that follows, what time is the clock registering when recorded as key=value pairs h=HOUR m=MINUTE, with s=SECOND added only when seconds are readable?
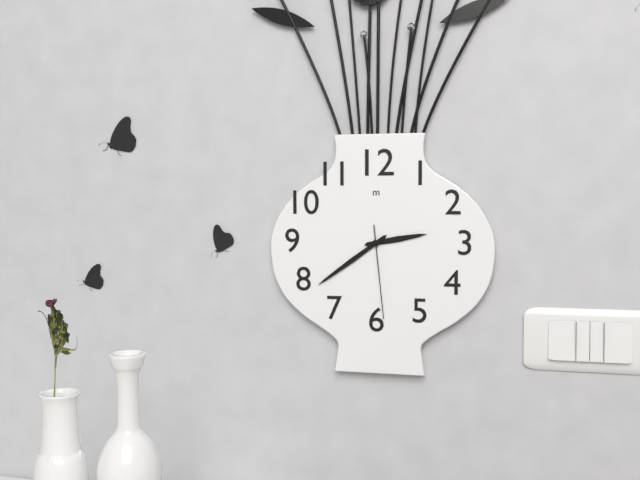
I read h=2 m=39 s=29
